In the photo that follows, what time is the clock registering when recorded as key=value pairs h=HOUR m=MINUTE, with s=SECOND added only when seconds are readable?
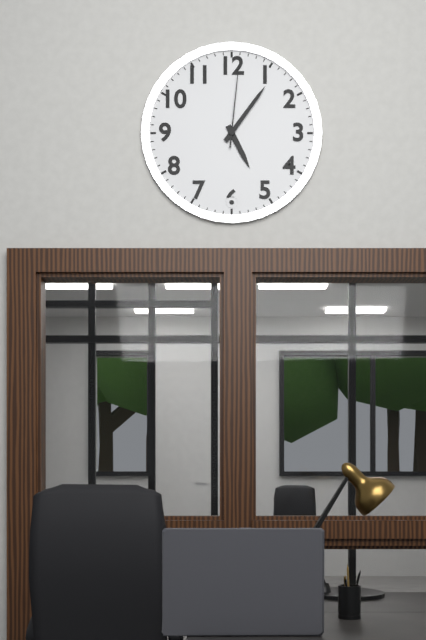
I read h=5 m=6 s=1
